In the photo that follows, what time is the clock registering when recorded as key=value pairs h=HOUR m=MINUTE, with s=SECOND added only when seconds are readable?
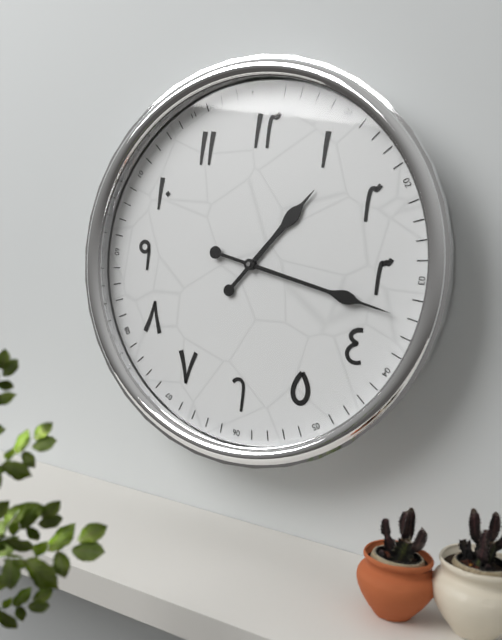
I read h=1 m=17
